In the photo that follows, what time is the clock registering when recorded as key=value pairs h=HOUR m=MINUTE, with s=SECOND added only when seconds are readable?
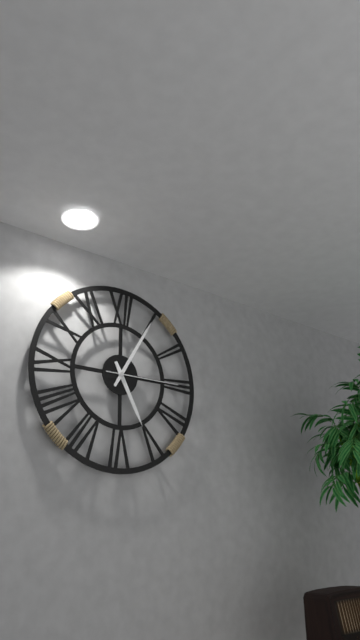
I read h=5 m=5 s=15
